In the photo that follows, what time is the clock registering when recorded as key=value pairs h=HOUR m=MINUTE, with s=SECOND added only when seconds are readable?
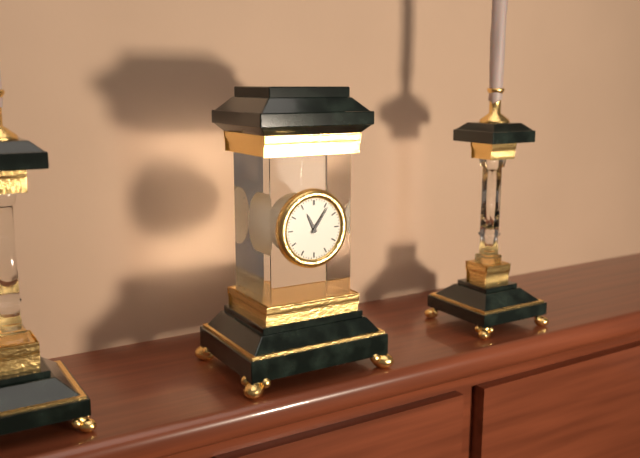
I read h=11 m=6
